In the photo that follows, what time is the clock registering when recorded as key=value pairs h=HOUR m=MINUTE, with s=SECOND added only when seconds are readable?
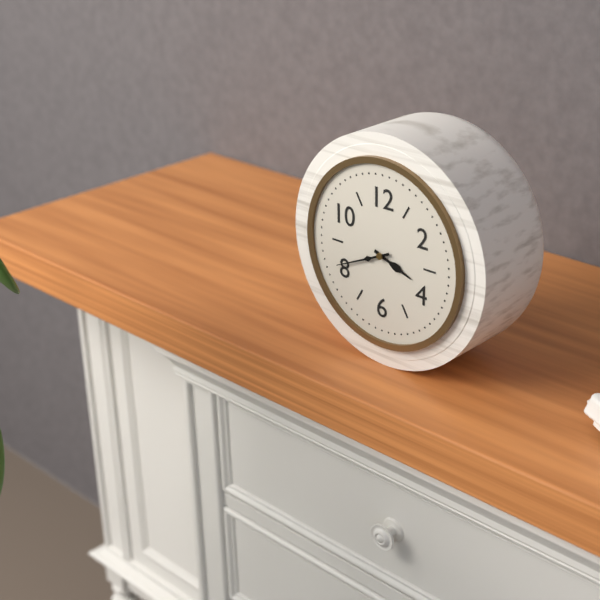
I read h=3 m=41
